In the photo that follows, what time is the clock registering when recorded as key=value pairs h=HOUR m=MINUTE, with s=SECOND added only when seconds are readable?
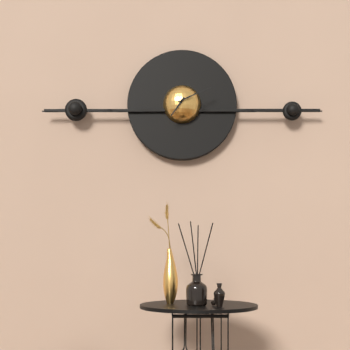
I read h=7 m=11
